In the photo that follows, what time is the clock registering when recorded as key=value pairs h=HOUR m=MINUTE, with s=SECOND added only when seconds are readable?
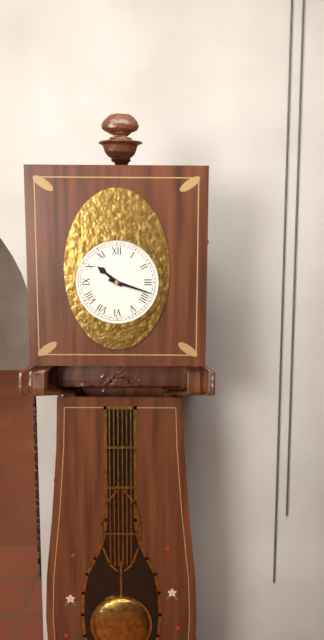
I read h=10 m=18
